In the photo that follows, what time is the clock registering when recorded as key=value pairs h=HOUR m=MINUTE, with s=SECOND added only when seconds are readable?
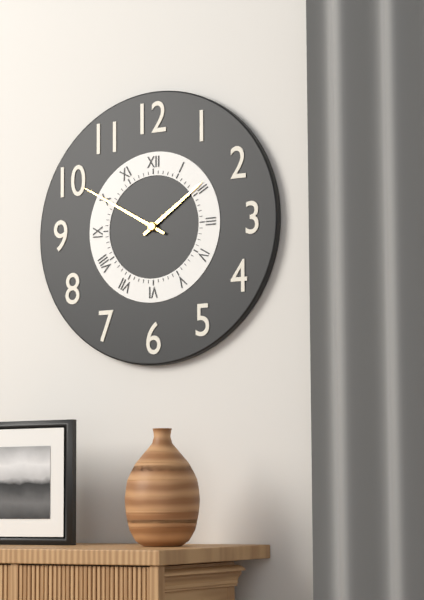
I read h=1 m=50
